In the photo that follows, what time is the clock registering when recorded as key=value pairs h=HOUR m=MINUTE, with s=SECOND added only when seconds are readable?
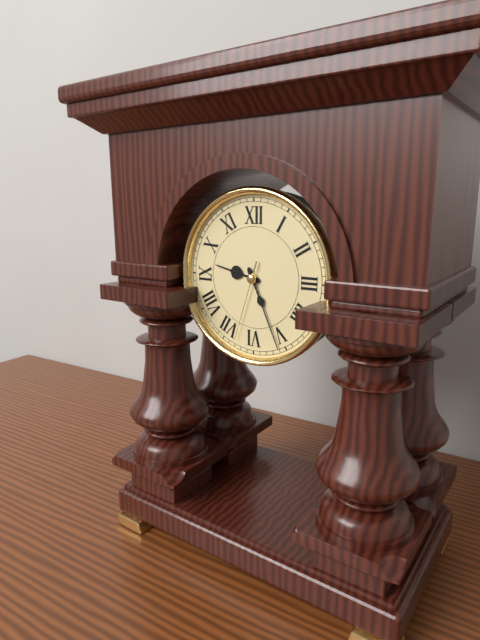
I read h=9 m=26 s=33
